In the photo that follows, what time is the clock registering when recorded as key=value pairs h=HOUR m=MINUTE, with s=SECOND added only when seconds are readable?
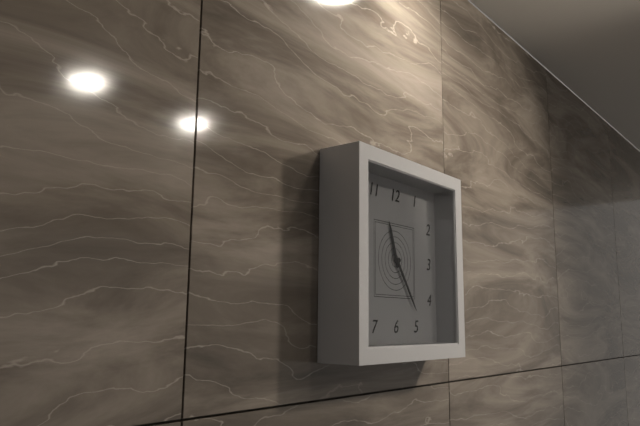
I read h=11 m=24
